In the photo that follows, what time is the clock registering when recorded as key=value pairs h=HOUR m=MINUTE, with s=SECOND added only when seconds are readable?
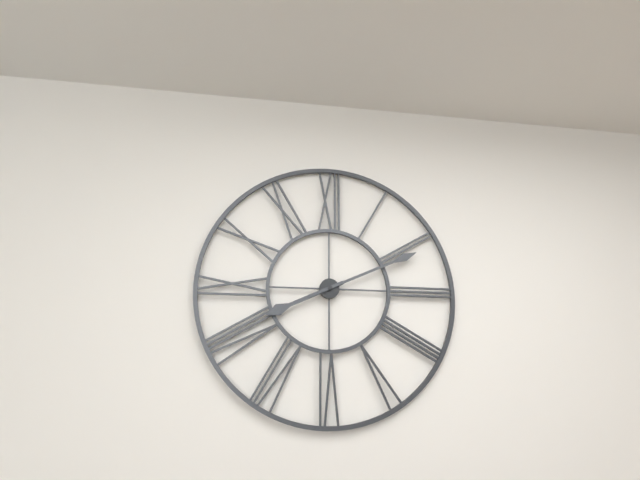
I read h=8 m=11
